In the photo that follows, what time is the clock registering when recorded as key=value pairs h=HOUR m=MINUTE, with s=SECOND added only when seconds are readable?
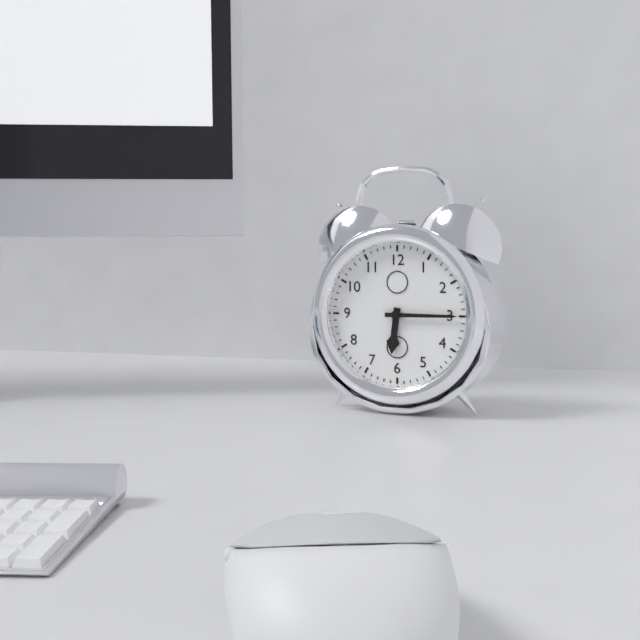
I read h=6 m=15
